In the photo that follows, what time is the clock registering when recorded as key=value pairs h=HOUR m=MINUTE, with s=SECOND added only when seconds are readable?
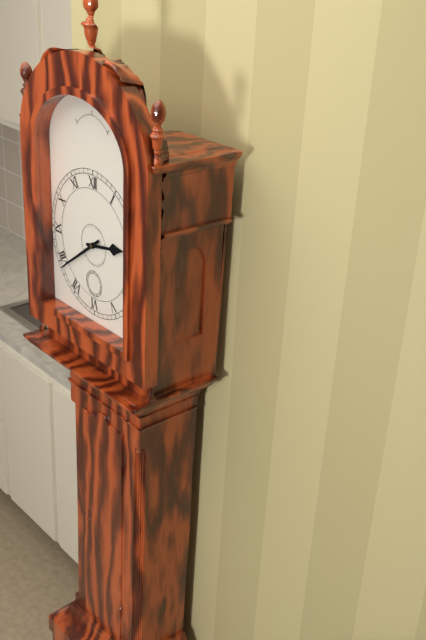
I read h=2 m=39
